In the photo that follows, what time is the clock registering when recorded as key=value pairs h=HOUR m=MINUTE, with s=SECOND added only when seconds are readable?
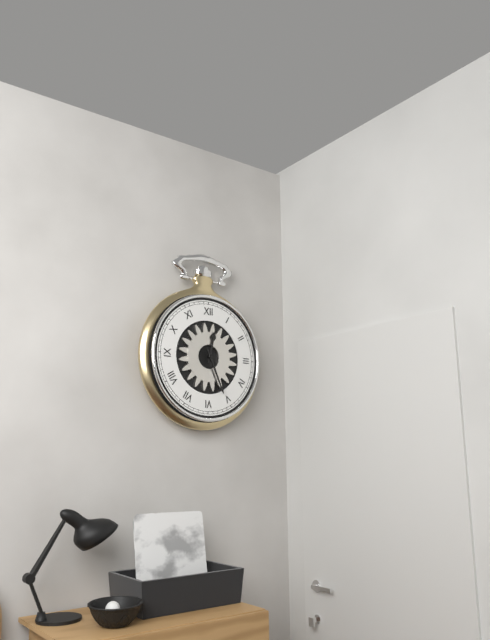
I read h=12 m=26
